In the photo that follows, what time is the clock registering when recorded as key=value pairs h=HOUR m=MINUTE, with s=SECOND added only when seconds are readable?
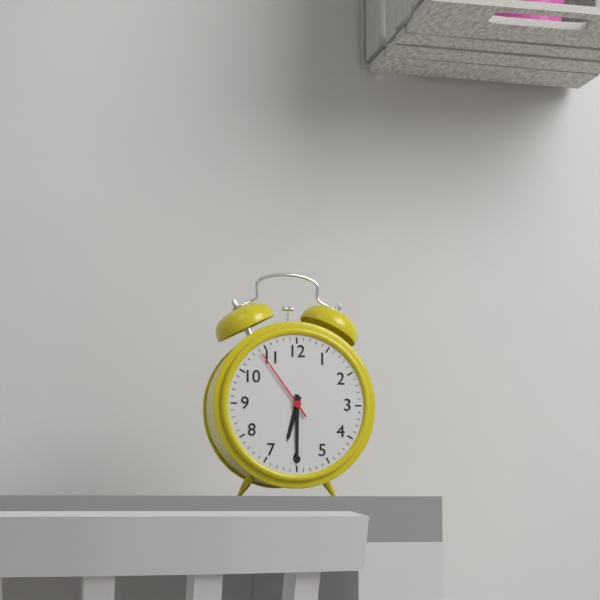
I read h=6 m=30 s=54
